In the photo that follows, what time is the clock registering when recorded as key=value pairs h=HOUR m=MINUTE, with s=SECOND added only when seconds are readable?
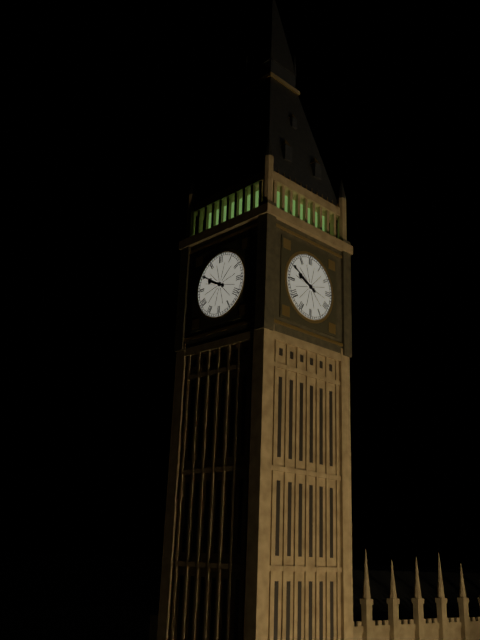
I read h=9 m=50
